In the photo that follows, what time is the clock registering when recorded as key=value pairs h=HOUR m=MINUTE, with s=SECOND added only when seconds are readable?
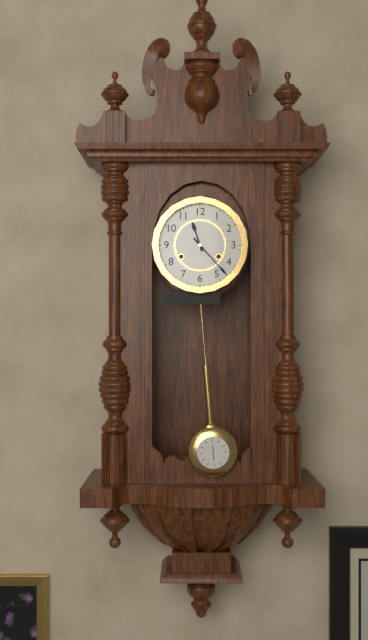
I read h=11 m=23
